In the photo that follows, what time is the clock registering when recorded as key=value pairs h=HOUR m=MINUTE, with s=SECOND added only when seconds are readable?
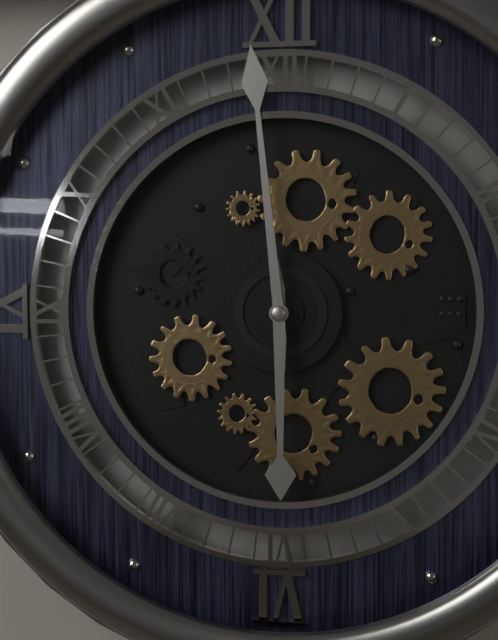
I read h=5 m=59
